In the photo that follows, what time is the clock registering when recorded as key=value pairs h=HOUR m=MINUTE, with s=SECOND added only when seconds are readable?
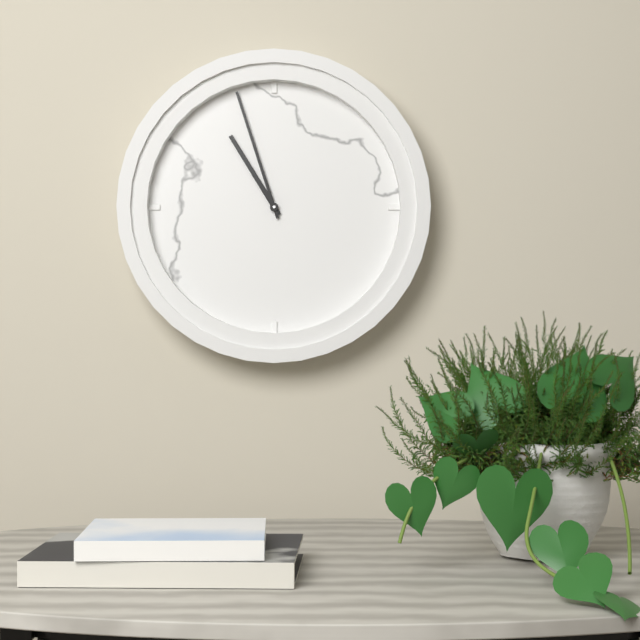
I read h=10 m=57
